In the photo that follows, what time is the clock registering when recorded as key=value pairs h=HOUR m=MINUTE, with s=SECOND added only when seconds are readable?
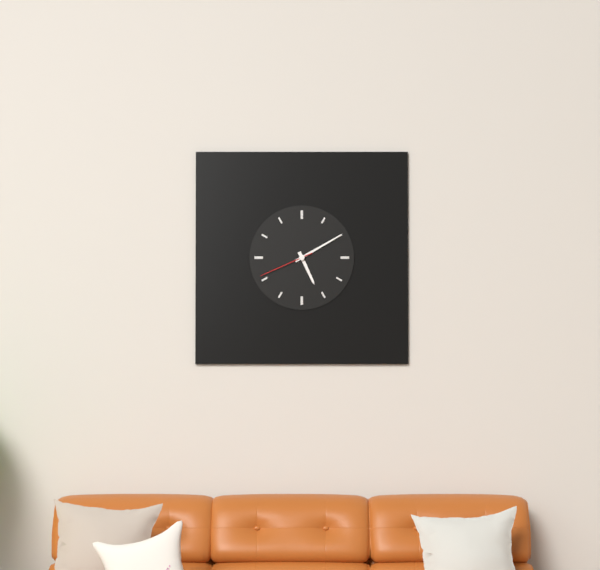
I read h=5 m=10 s=41
